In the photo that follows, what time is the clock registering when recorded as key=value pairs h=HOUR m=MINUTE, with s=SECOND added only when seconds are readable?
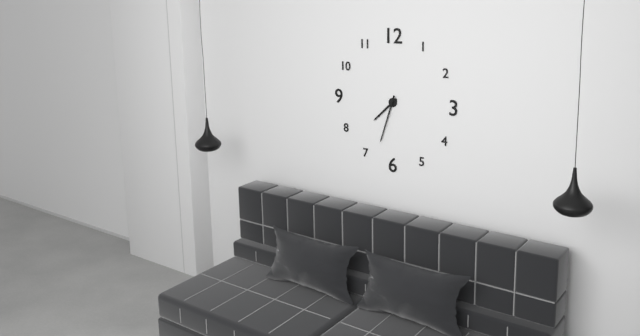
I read h=7 m=33
